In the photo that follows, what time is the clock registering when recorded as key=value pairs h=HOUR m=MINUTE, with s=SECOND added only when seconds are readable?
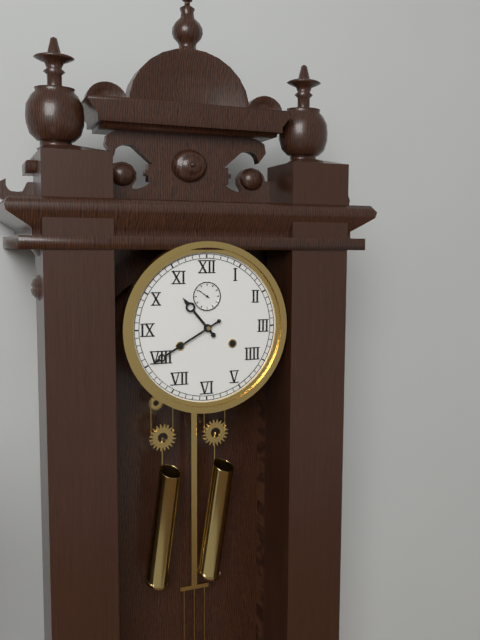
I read h=10 m=40
